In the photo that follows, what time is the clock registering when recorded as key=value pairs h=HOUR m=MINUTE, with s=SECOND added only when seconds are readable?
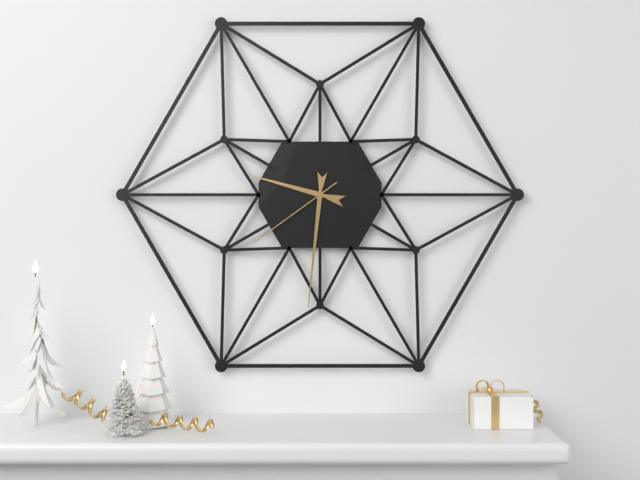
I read h=9 m=31 s=39
